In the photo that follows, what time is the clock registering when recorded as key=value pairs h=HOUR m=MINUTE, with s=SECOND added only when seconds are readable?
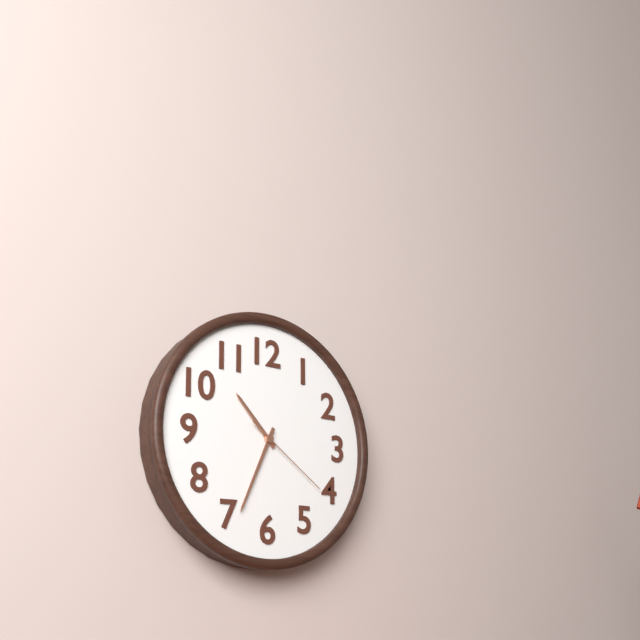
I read h=10 m=34 s=21
